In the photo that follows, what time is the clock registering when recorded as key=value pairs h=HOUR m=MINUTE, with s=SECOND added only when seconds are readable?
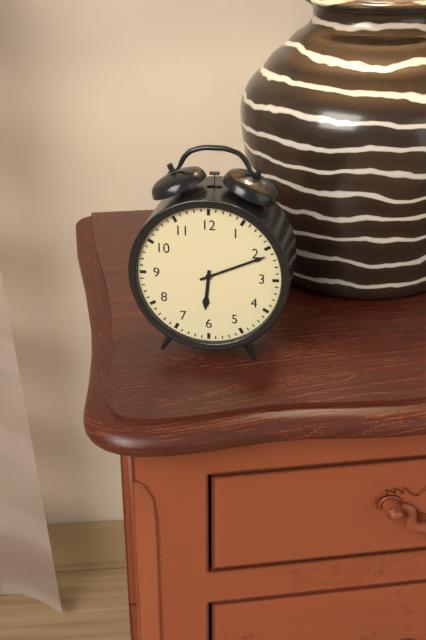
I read h=6 m=11
